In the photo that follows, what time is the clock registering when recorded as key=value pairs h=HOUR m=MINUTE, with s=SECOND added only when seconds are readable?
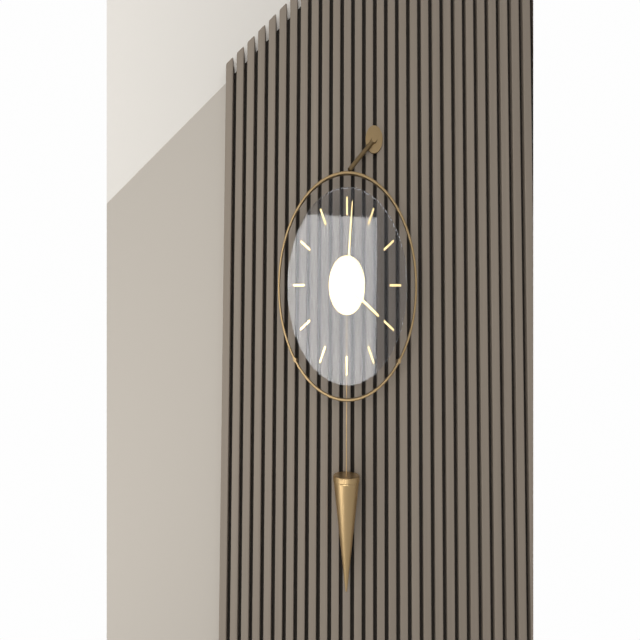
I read h=4 m=1
